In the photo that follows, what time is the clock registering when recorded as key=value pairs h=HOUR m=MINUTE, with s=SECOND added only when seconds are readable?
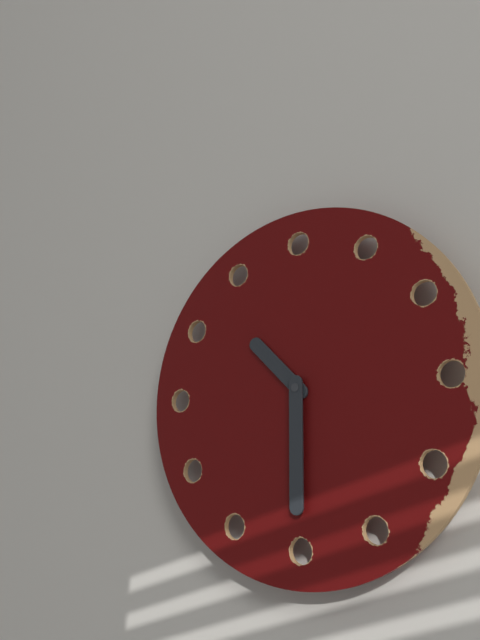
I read h=10 m=30
